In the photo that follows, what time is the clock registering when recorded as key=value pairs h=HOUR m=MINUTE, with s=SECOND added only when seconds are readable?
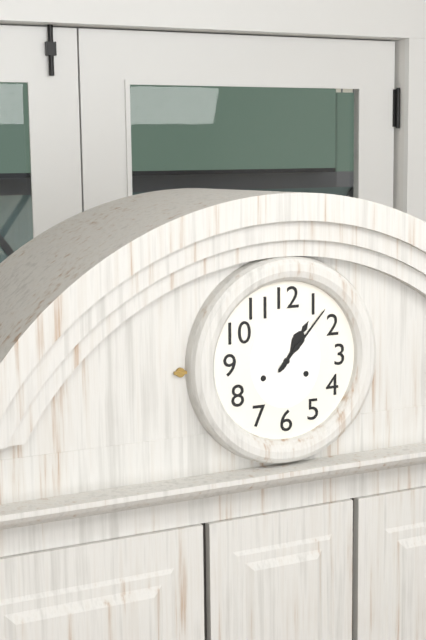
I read h=1 m=7
